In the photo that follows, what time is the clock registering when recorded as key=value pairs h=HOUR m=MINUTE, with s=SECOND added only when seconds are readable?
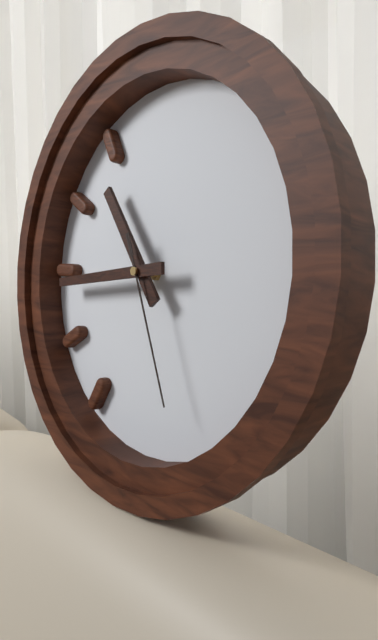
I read h=10 m=44 s=26
